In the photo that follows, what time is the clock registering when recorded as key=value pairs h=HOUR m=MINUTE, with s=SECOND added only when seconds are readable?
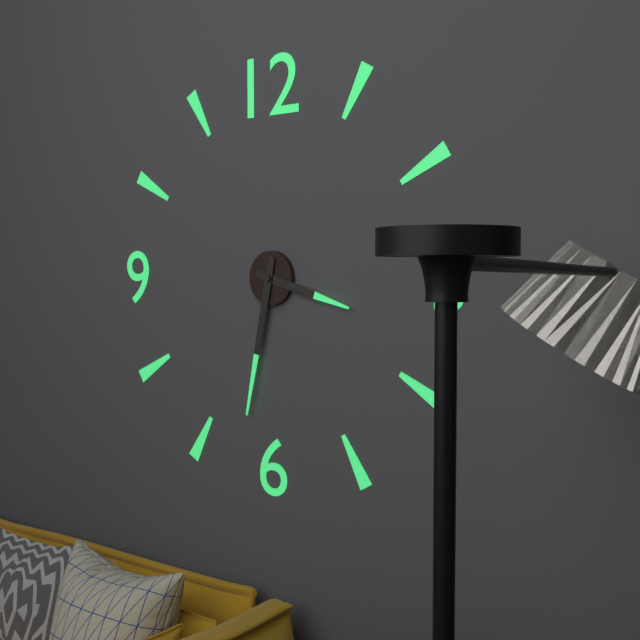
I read h=3 m=32
